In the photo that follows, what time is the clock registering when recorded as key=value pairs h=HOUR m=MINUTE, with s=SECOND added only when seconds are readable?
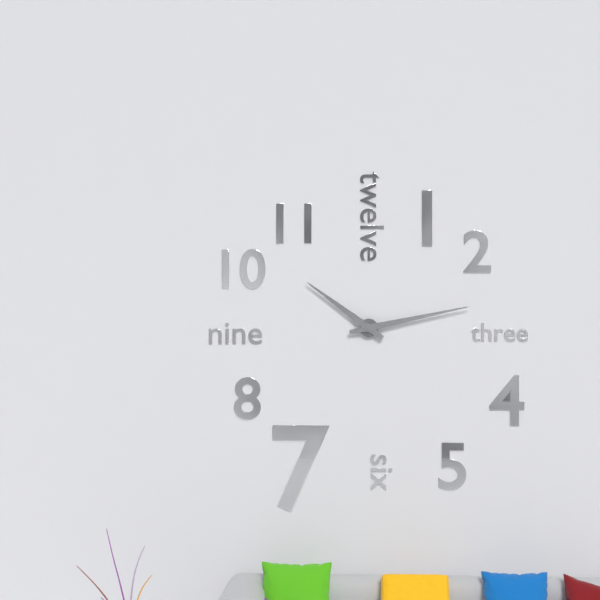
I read h=10 m=13
